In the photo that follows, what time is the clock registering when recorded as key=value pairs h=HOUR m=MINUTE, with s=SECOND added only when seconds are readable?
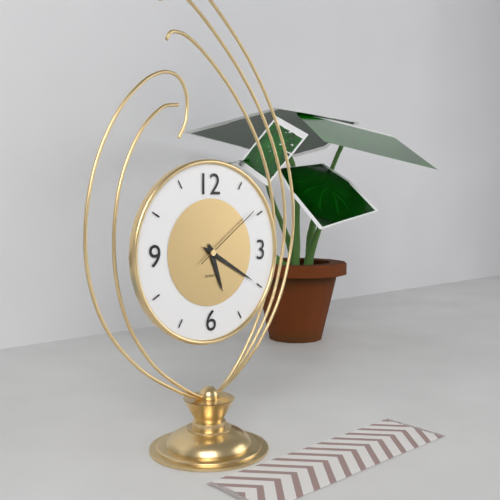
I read h=5 m=20 s=9
